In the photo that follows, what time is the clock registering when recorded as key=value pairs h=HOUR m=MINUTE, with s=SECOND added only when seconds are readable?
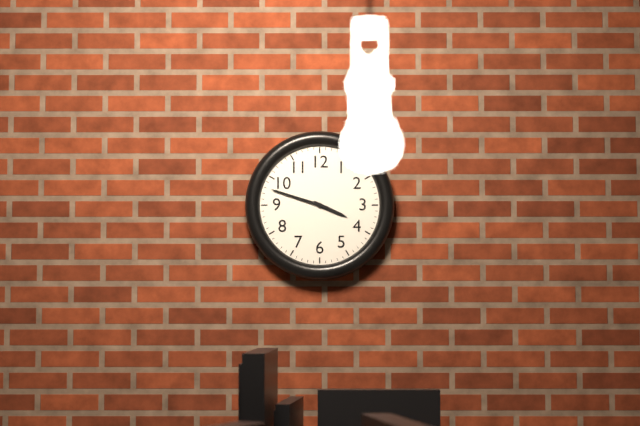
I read h=3 m=48
